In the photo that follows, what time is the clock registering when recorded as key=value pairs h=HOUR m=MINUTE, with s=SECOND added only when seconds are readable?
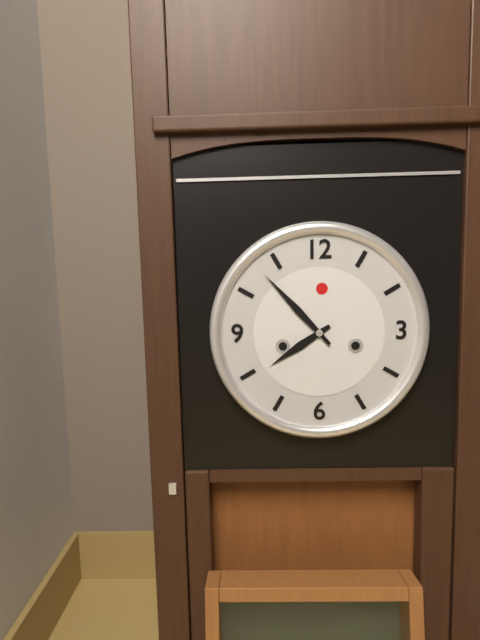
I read h=7 m=53
